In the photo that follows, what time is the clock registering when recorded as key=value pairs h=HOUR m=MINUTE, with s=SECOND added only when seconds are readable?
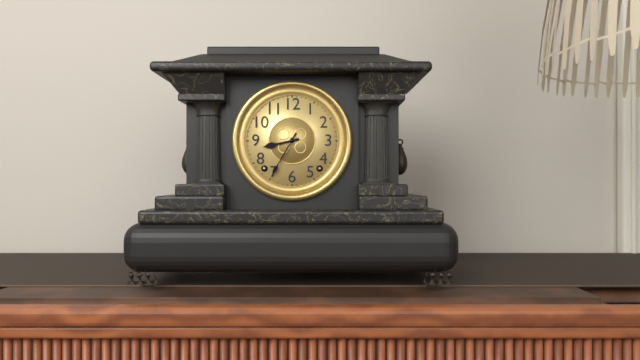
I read h=8 m=35
